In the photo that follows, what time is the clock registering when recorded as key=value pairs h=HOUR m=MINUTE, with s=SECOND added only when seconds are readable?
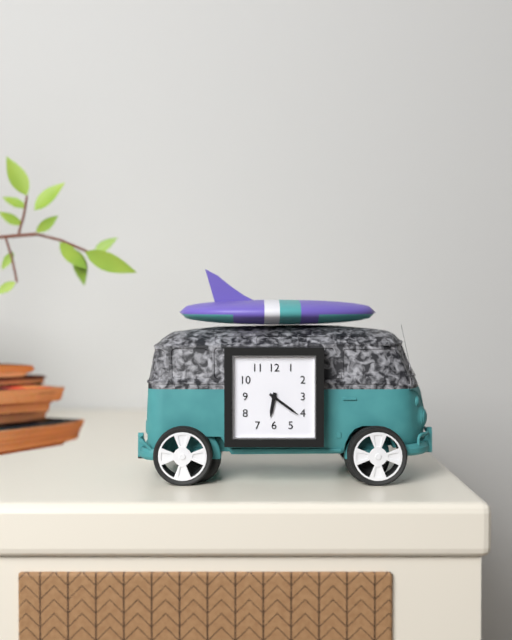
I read h=6 m=21
